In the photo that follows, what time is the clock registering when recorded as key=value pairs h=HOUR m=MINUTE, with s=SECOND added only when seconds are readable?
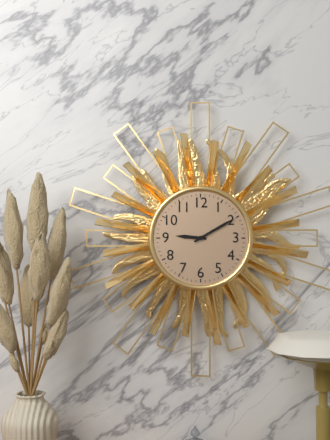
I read h=9 m=10
